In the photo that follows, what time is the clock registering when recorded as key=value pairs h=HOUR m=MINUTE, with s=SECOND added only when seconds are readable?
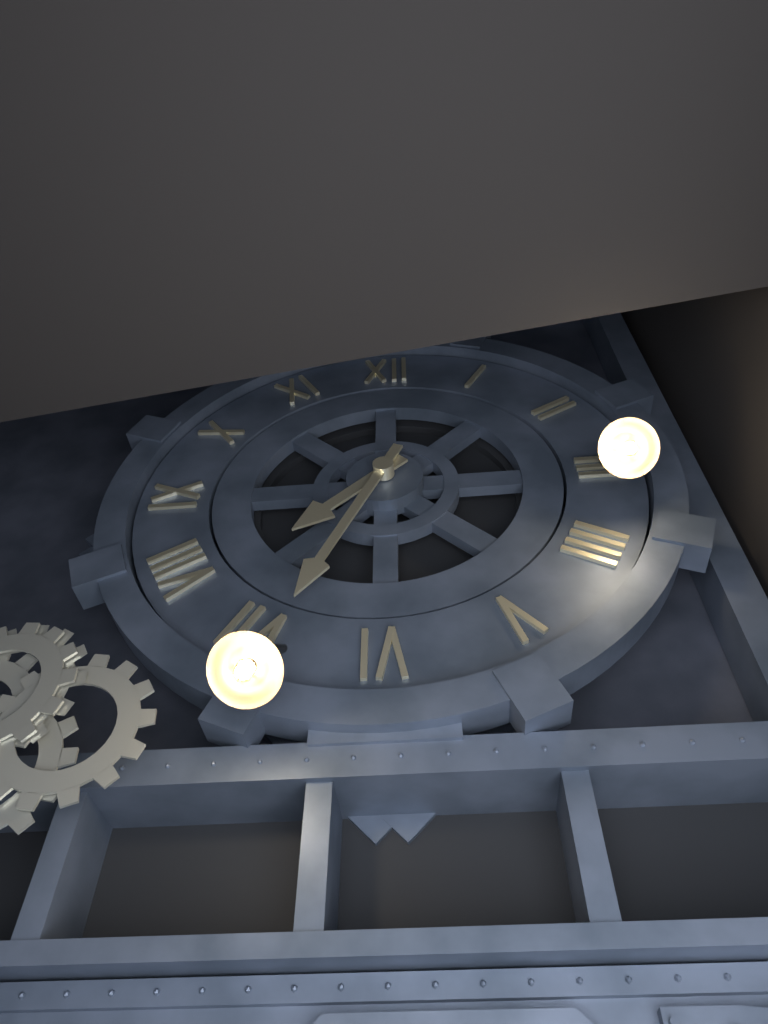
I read h=7 m=34
